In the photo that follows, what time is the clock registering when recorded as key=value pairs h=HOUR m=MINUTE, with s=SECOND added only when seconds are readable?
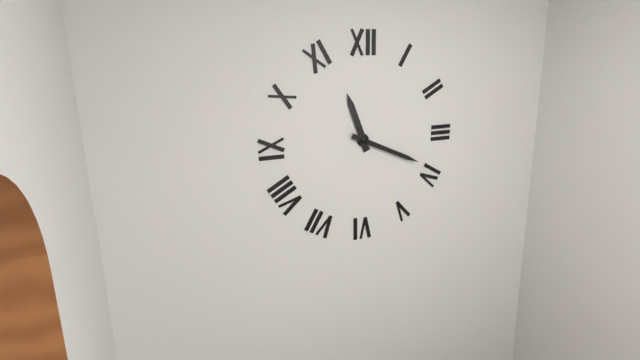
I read h=11 m=19
